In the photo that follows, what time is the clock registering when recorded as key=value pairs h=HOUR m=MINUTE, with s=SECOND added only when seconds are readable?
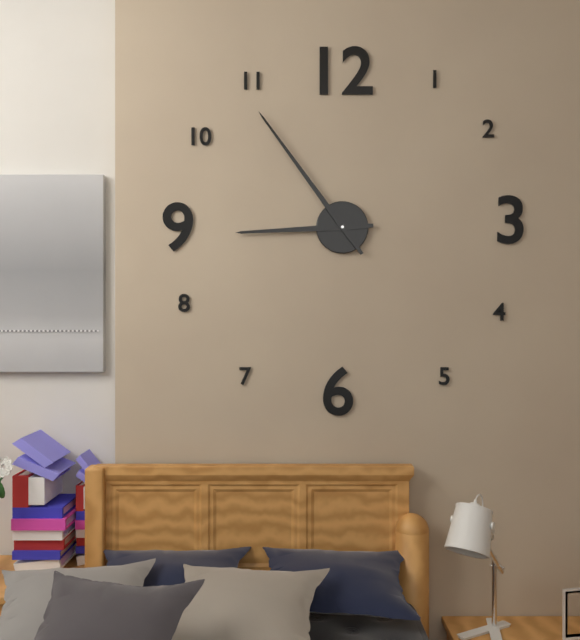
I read h=8 m=54
